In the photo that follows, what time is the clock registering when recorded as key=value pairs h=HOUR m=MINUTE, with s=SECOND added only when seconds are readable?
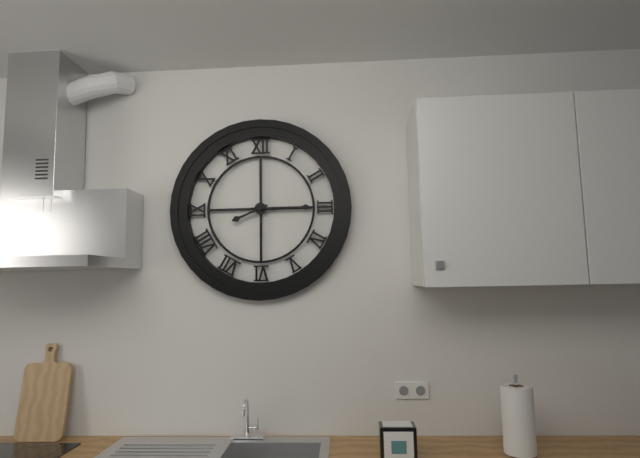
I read h=8 m=15
